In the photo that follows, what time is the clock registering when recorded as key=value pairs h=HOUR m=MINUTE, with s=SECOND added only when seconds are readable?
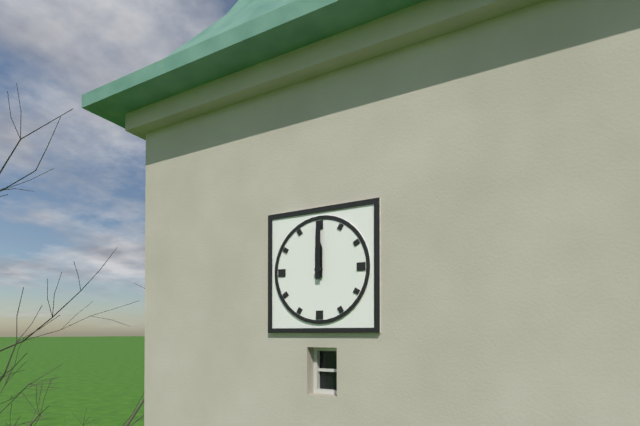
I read h=12 m=0
